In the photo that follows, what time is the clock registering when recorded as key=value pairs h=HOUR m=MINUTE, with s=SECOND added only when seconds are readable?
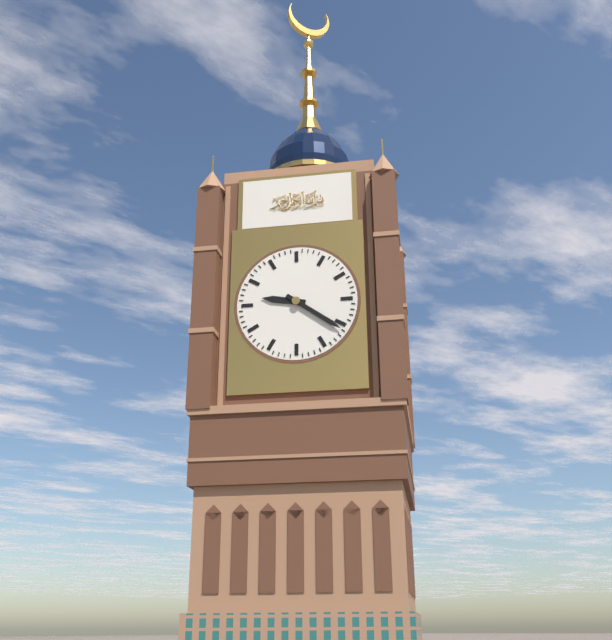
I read h=9 m=21
